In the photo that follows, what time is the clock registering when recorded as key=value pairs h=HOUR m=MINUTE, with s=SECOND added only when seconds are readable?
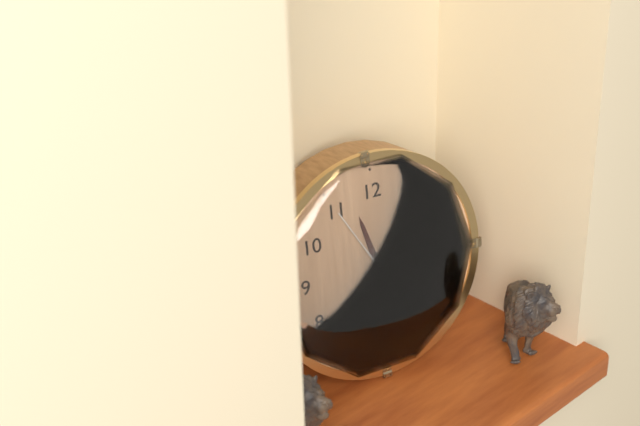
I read h=11 m=28 s=55
